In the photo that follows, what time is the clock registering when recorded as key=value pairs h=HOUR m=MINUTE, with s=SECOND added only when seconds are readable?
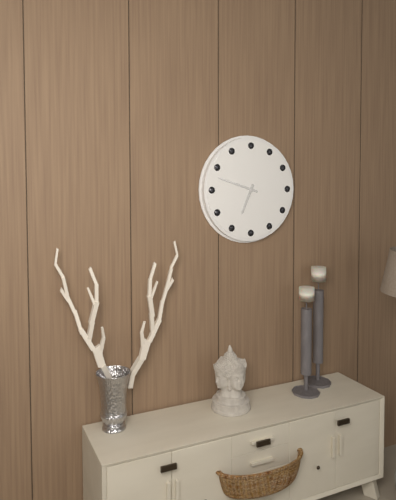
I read h=6 m=48
